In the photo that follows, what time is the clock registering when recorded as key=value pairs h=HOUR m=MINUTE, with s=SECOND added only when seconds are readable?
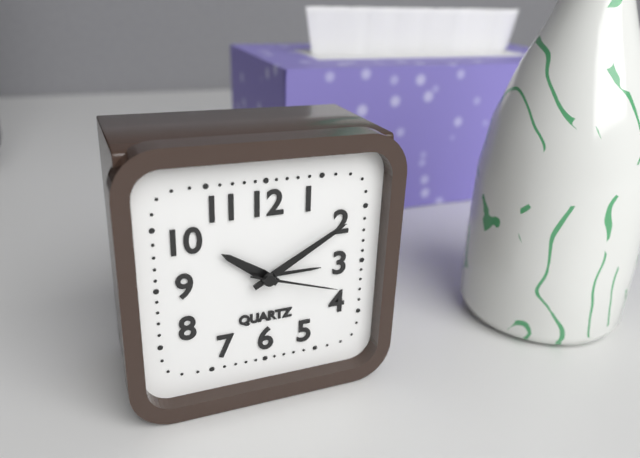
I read h=10 m=10 s=18
